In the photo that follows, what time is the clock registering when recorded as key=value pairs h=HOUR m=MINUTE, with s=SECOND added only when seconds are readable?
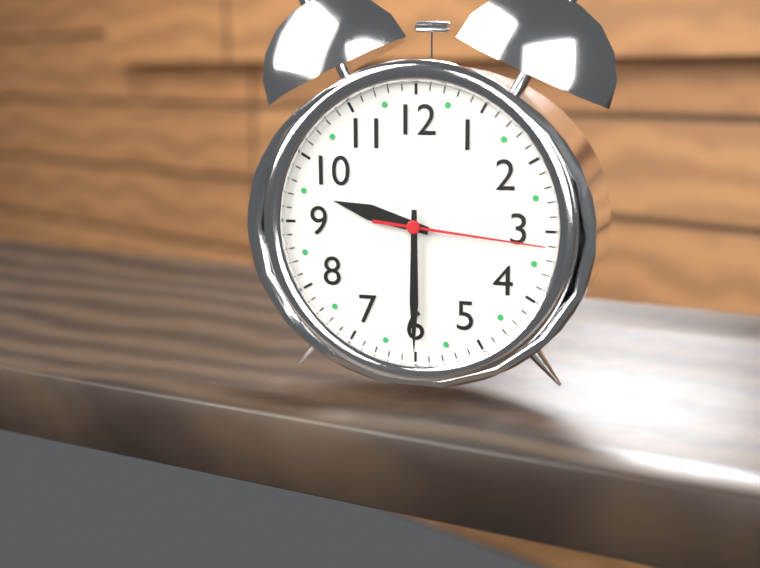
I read h=9 m=30 s=16
